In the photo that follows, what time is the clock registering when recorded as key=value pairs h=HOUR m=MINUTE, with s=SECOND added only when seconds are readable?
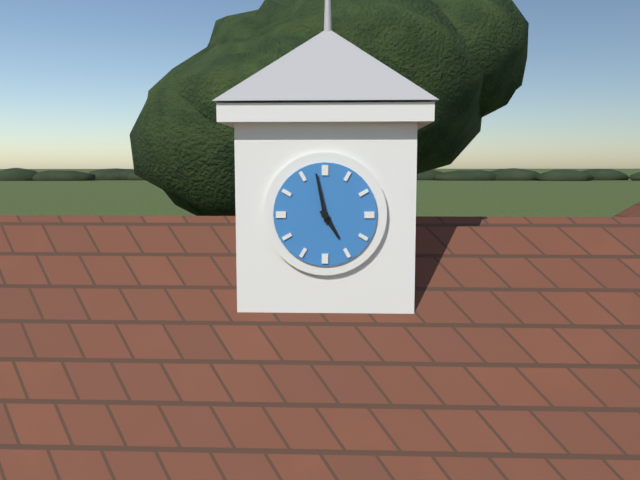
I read h=4 m=58
